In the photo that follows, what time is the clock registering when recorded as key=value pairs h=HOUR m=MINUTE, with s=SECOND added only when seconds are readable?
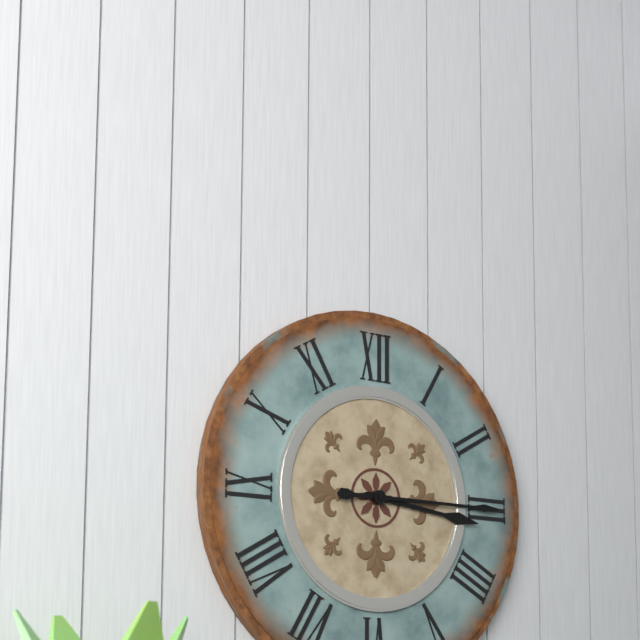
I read h=3 m=15
